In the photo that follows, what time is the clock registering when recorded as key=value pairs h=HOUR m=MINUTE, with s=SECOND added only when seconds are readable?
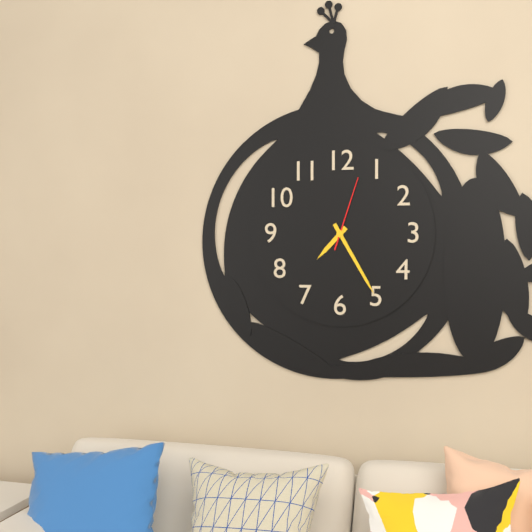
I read h=7 m=25 s=3
